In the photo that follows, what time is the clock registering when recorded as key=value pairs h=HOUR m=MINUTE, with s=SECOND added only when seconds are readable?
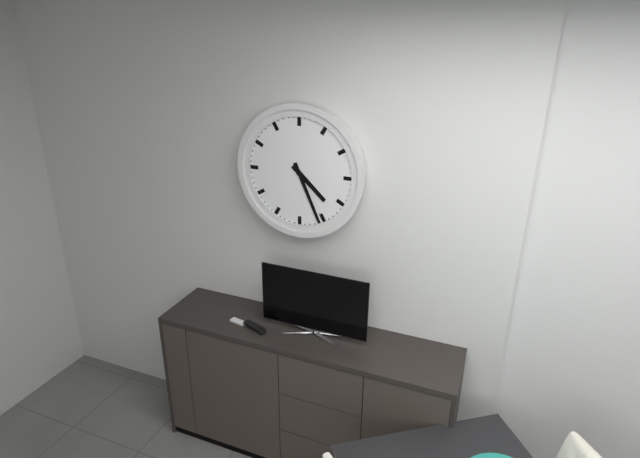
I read h=4 m=26
